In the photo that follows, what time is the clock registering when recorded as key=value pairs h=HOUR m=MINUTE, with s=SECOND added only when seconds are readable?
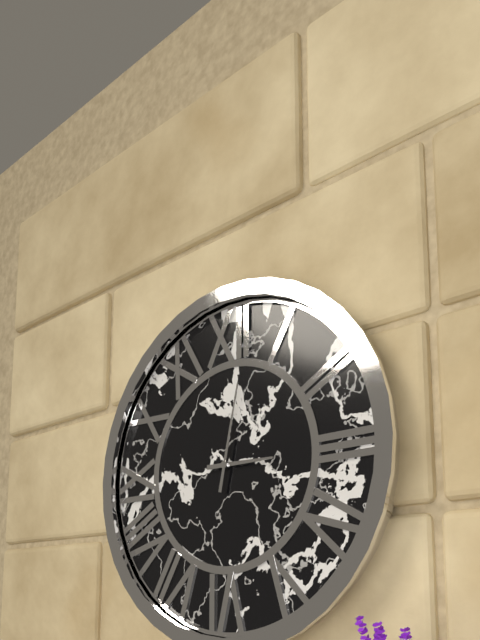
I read h=3 m=2
